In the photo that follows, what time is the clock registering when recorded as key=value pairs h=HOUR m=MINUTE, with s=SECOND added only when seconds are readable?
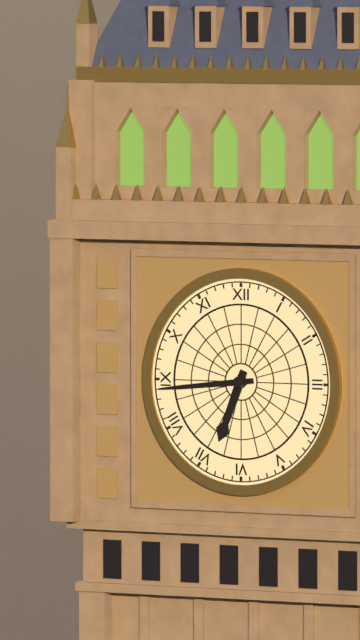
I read h=6 m=44
